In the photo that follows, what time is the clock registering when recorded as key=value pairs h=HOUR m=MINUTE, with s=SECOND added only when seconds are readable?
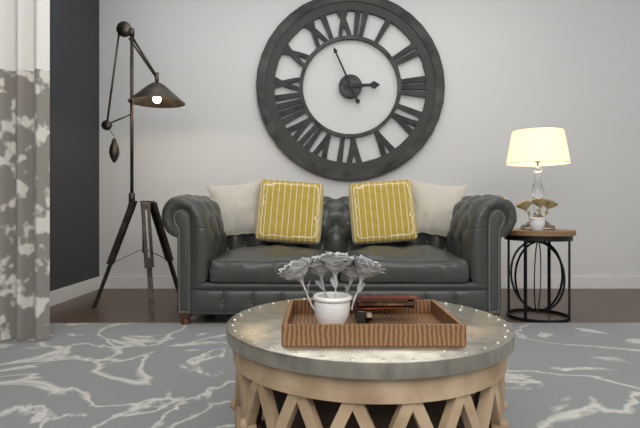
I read h=2 m=56
